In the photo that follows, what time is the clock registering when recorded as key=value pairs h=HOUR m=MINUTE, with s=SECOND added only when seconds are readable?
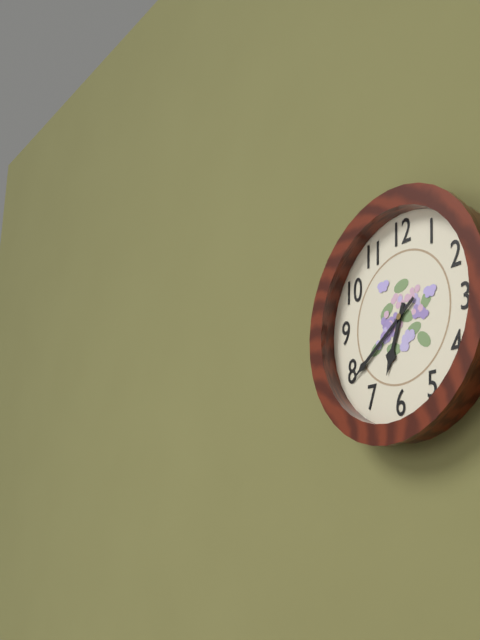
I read h=6 m=39
